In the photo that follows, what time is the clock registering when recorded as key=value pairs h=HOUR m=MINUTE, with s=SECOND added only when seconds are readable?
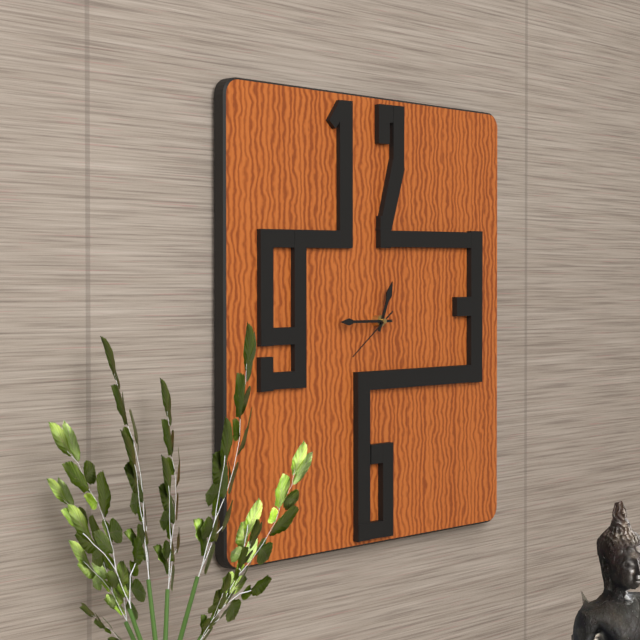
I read h=12 m=45
